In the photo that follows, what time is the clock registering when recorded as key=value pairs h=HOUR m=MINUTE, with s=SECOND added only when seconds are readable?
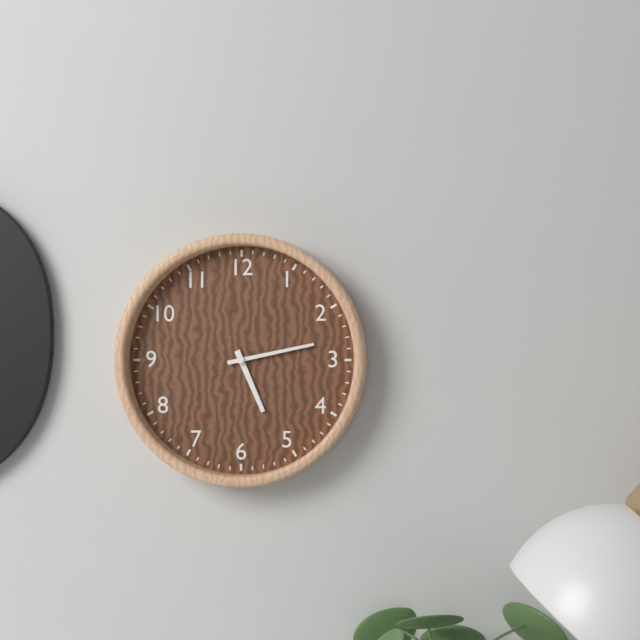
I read h=5 m=13
